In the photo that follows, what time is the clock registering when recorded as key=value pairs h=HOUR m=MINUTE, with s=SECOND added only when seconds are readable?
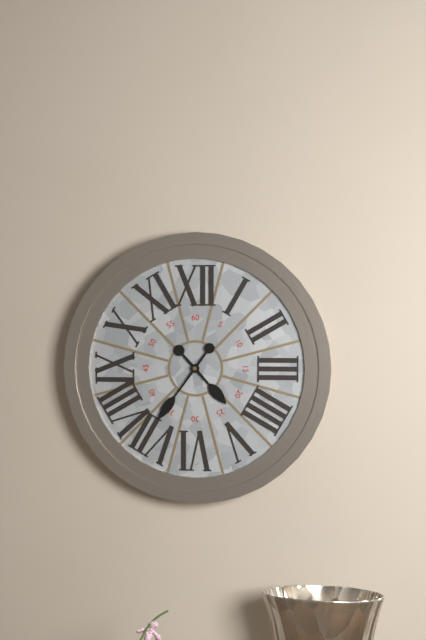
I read h=4 m=36
